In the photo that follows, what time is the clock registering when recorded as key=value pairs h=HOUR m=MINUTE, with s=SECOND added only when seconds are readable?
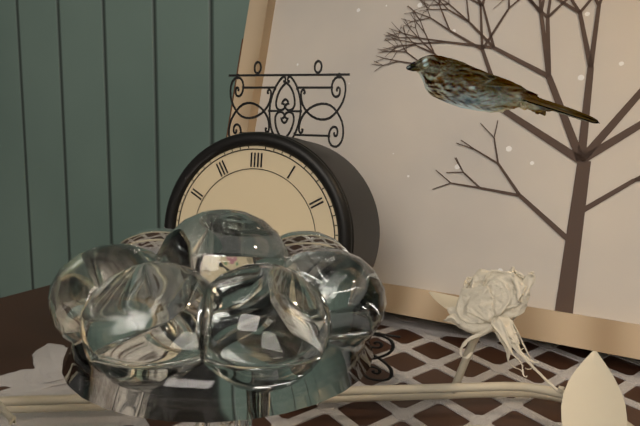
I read h=3 m=47
